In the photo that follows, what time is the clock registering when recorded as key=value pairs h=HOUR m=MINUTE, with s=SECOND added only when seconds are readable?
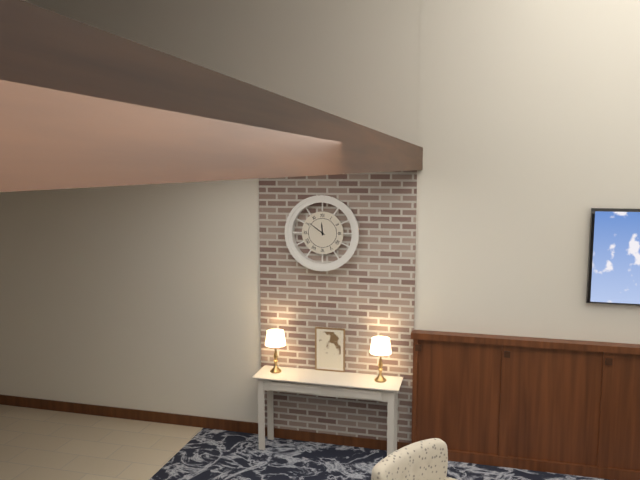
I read h=11 m=51
